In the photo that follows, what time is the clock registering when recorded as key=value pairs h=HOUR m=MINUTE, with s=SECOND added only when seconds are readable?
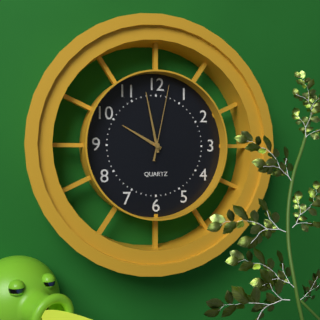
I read h=9 m=58 s=2
